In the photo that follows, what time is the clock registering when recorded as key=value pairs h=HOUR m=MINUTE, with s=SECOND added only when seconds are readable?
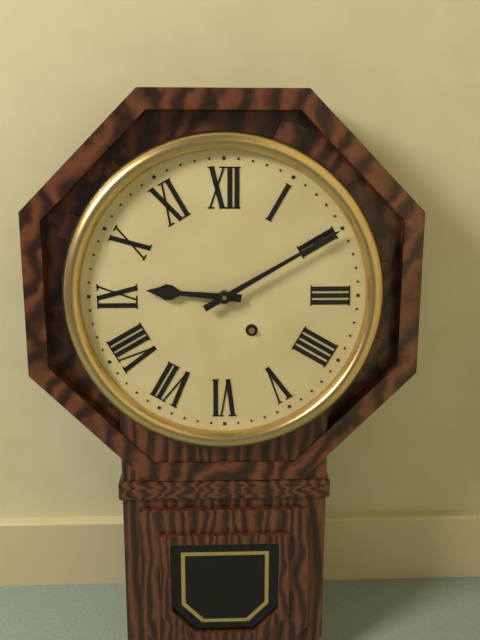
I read h=9 m=10
